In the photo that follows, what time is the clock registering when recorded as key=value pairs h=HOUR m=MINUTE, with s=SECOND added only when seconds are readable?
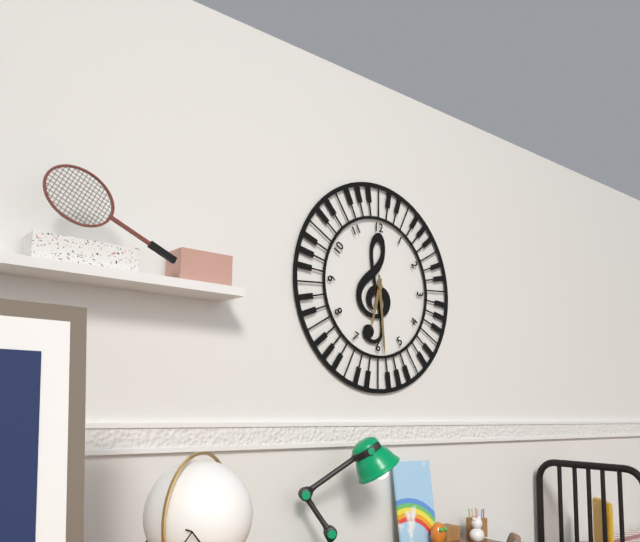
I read h=6 m=29
